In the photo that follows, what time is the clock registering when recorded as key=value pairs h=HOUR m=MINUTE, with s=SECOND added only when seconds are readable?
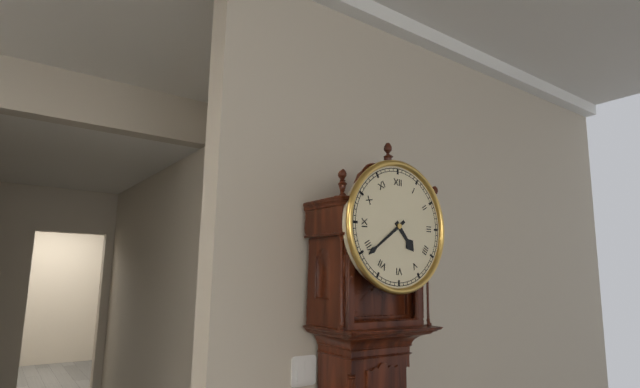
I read h=4 m=39
